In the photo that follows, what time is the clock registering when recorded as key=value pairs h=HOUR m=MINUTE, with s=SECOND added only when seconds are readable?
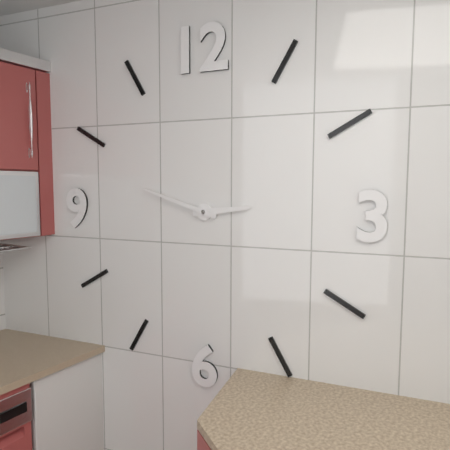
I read h=2 m=48
